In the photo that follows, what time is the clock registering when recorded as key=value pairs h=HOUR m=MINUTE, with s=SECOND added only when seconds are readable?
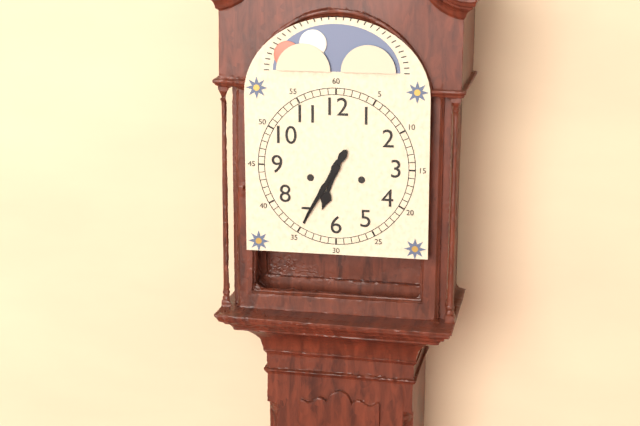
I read h=6 m=35
